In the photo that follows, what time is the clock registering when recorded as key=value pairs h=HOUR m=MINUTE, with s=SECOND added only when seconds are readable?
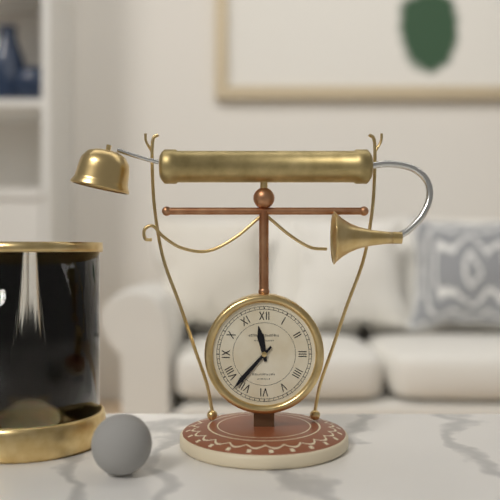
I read h=11 m=37
